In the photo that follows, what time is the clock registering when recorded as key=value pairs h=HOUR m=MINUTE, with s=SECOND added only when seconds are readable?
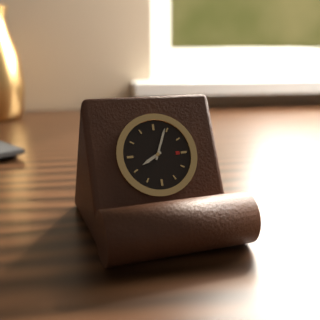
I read h=8 m=4
